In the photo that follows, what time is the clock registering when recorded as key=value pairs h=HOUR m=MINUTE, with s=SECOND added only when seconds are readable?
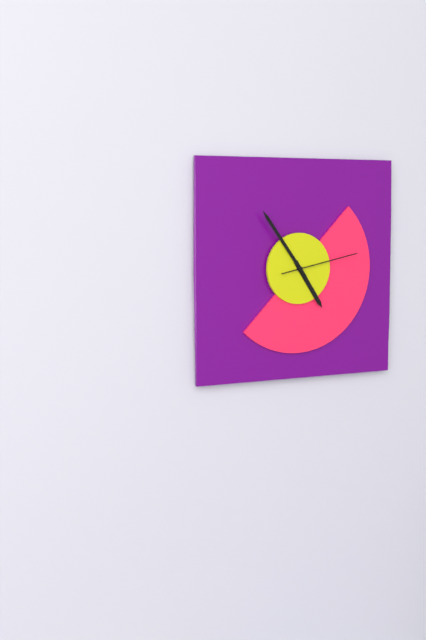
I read h=4 m=54 s=13
